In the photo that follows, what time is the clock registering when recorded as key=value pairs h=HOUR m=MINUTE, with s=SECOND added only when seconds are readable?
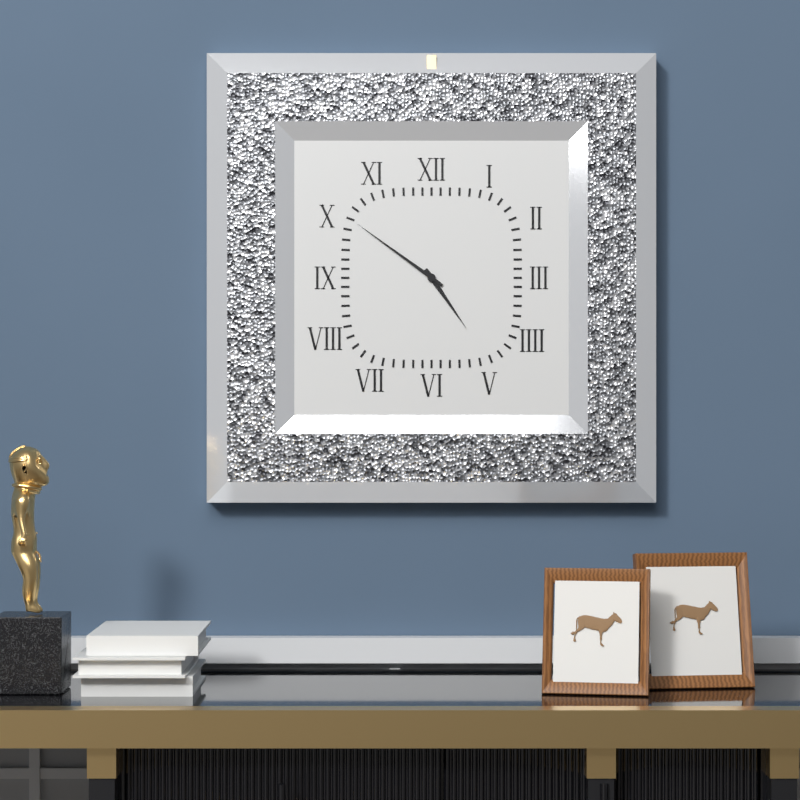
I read h=4 m=51
